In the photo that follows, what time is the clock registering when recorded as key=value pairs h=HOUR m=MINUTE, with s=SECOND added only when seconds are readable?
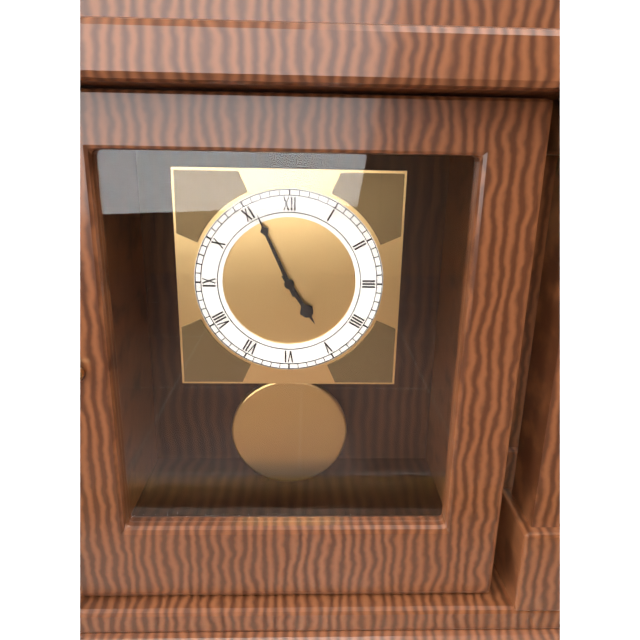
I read h=4 m=56
